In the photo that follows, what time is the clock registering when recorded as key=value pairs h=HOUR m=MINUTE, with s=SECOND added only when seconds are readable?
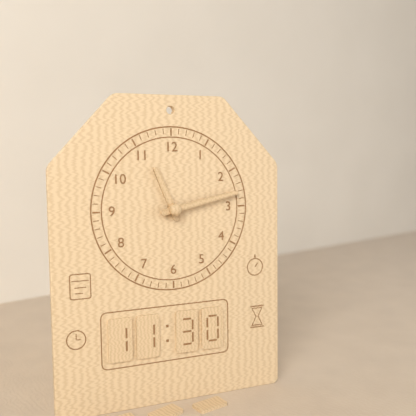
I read h=11 m=13
